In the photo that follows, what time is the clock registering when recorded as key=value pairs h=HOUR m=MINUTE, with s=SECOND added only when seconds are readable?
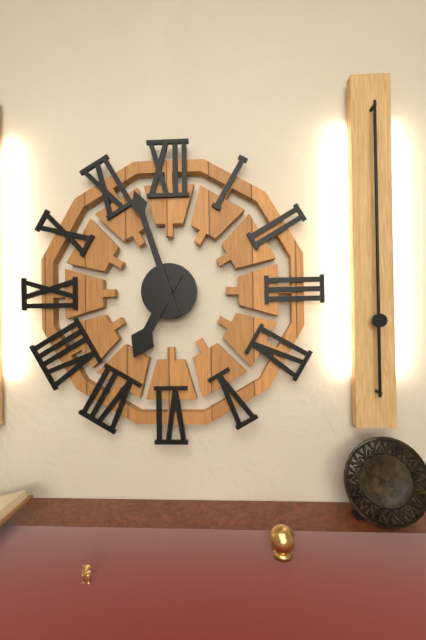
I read h=6 m=57
